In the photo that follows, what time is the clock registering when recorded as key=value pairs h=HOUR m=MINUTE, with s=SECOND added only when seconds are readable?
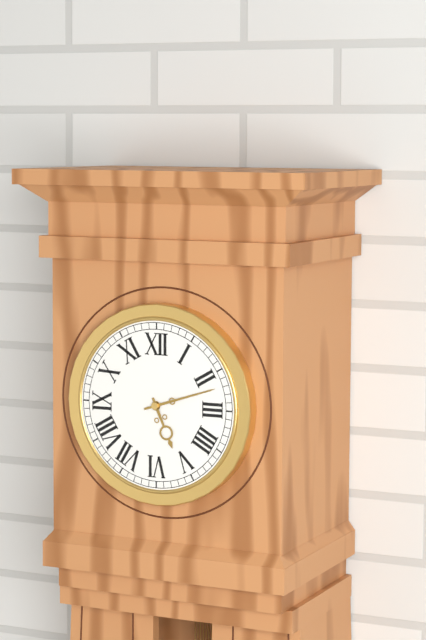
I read h=5 m=12
